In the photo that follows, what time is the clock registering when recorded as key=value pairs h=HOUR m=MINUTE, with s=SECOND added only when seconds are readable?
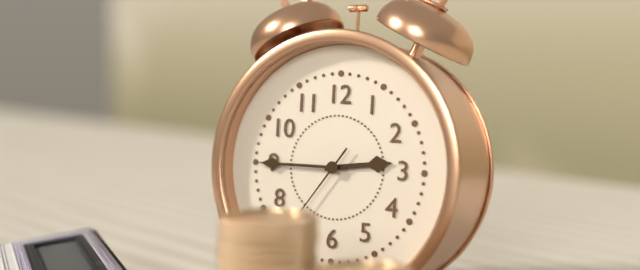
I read h=2 m=45
